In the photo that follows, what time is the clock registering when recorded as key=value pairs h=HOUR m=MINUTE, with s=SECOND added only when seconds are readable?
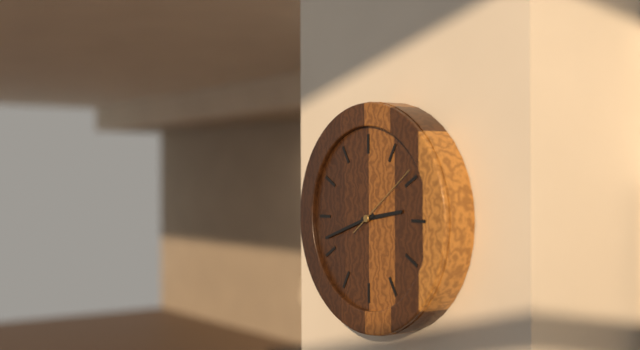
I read h=2 m=42 s=9
